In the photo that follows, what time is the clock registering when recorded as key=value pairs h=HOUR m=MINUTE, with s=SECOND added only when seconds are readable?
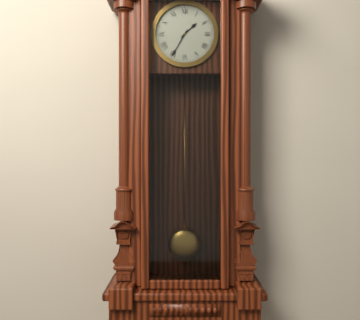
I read h=1 m=35
